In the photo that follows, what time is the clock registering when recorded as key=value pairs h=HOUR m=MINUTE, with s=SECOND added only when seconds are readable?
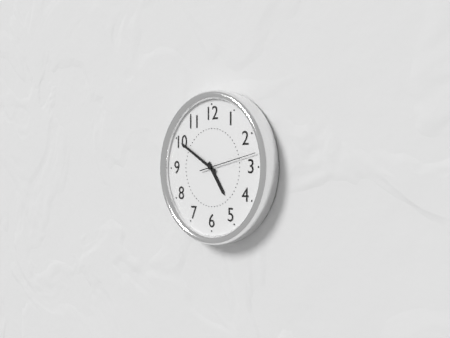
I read h=4 m=50
